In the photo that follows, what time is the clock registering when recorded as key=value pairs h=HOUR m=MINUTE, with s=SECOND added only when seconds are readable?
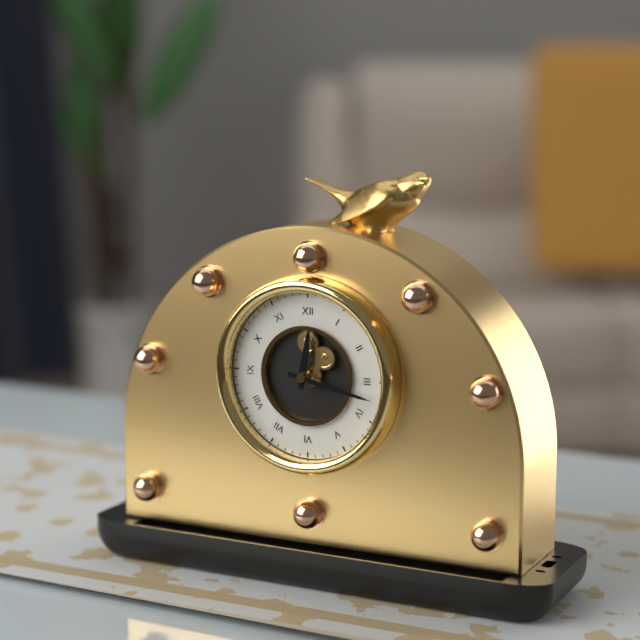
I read h=12 m=17
